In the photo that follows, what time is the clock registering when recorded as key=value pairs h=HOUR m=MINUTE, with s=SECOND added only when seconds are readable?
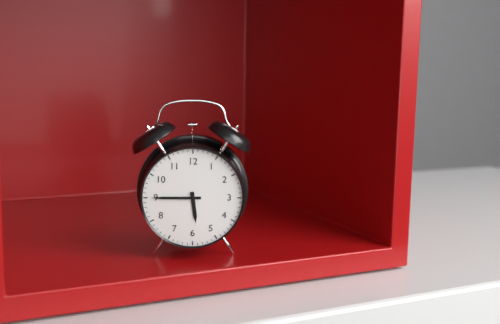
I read h=5 m=45
